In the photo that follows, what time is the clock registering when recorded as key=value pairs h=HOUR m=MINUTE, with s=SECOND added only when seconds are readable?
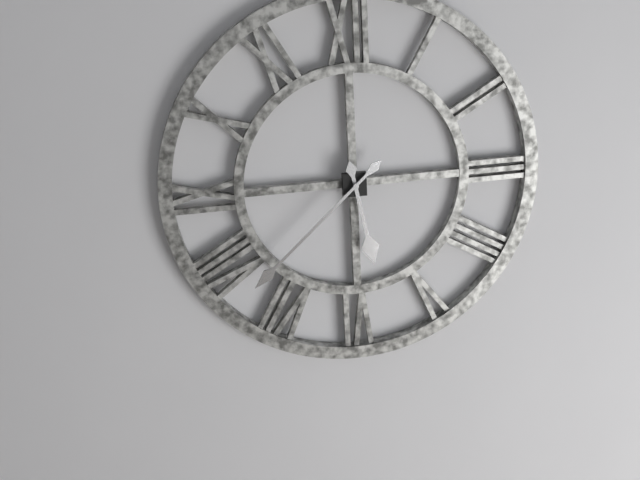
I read h=5 m=38
